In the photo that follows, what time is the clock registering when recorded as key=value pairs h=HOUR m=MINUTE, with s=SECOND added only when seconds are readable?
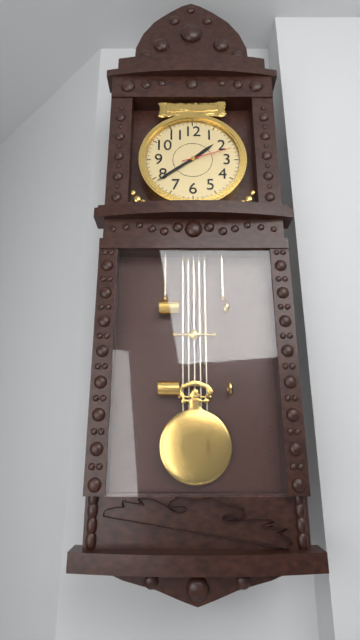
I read h=1 m=39 s=12
